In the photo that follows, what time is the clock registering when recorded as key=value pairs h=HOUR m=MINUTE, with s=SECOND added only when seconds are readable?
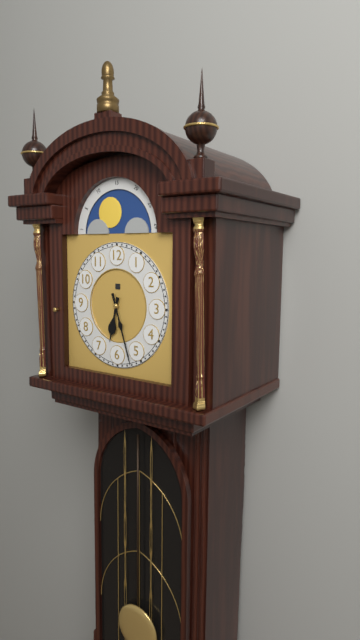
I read h=6 m=27
